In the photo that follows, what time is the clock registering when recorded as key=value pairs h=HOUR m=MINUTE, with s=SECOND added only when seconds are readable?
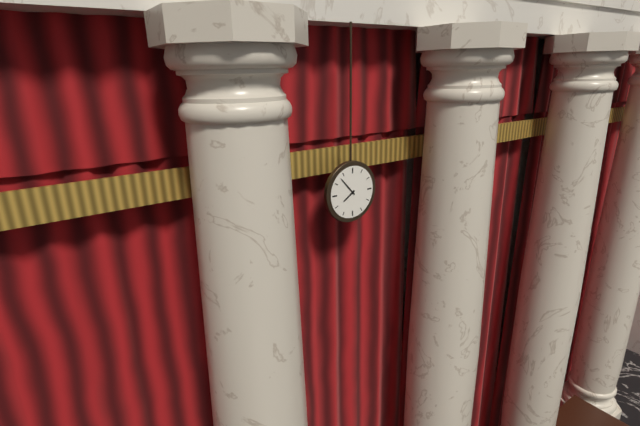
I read h=7 m=53
